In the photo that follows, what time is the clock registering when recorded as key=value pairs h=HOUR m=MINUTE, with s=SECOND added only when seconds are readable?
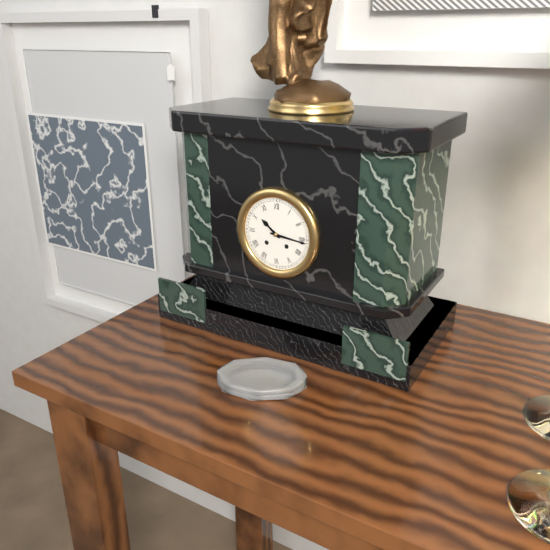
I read h=10 m=16
